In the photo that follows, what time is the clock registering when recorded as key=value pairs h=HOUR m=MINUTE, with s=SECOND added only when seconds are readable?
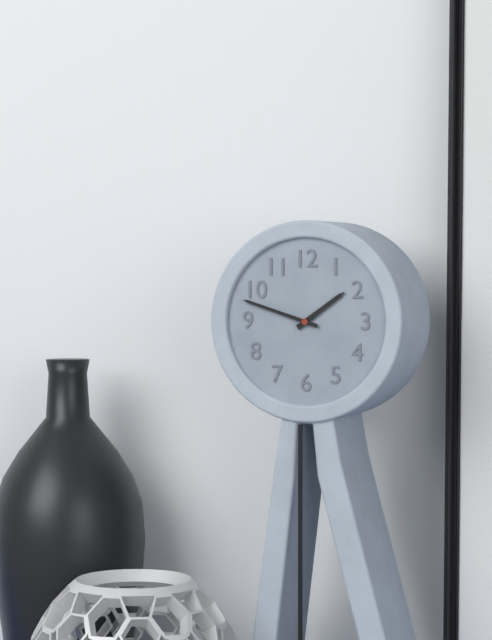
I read h=1 m=48
